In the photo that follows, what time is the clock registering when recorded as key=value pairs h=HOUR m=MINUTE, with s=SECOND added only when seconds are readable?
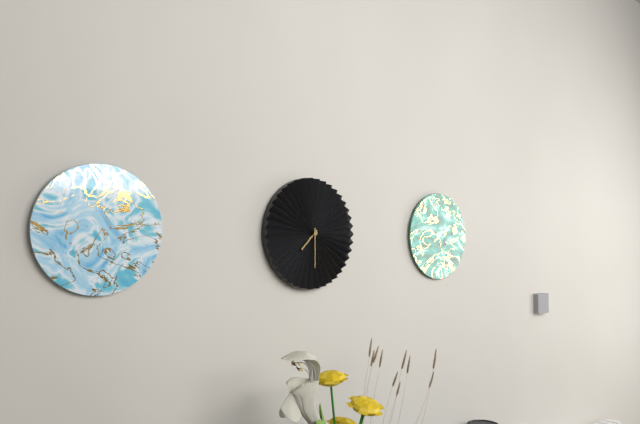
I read h=7 m=30
